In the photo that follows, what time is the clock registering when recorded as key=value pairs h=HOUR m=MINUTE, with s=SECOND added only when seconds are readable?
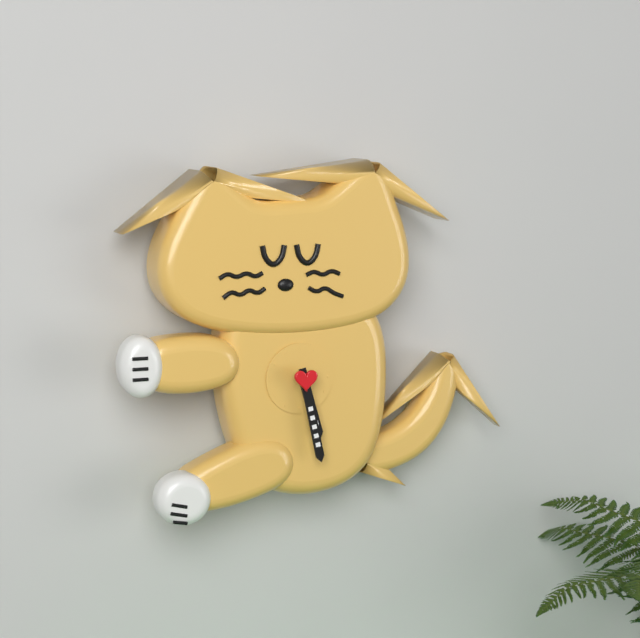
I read h=5 m=28
